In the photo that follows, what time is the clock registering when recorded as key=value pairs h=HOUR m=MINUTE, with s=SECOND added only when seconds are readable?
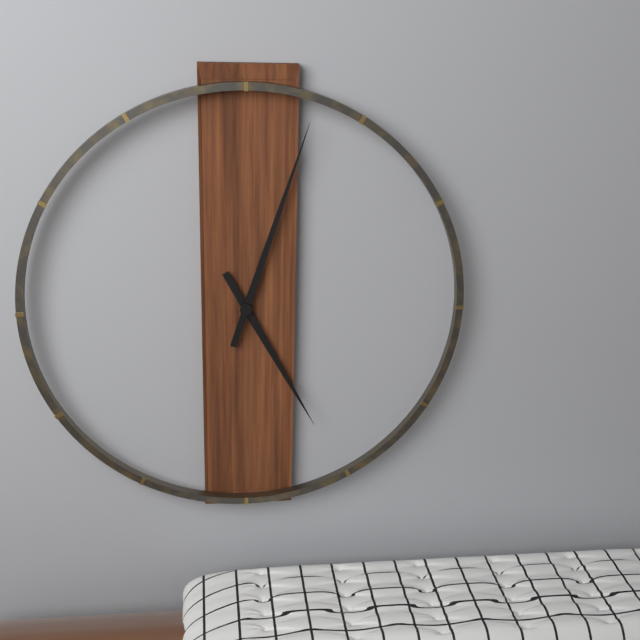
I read h=5 m=3
